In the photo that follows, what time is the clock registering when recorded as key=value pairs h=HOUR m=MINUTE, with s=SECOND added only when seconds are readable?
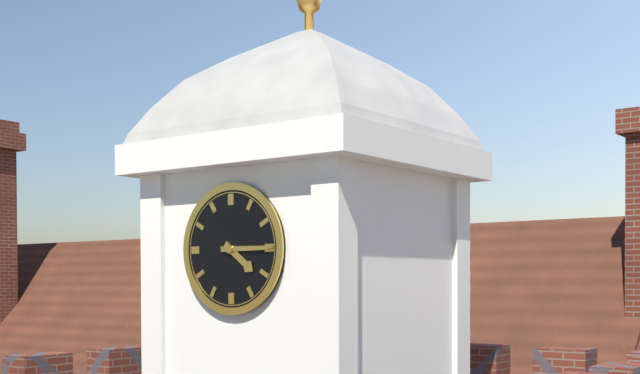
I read h=4 m=15
